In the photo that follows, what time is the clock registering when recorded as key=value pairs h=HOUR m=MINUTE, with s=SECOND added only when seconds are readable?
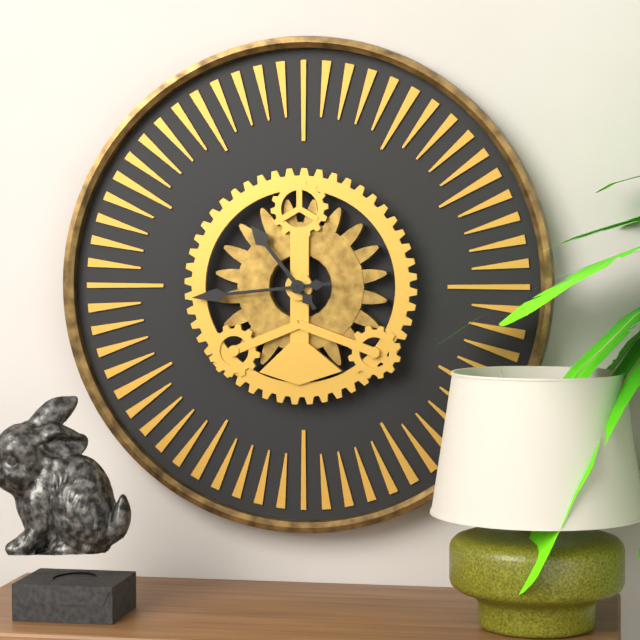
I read h=10 m=44
